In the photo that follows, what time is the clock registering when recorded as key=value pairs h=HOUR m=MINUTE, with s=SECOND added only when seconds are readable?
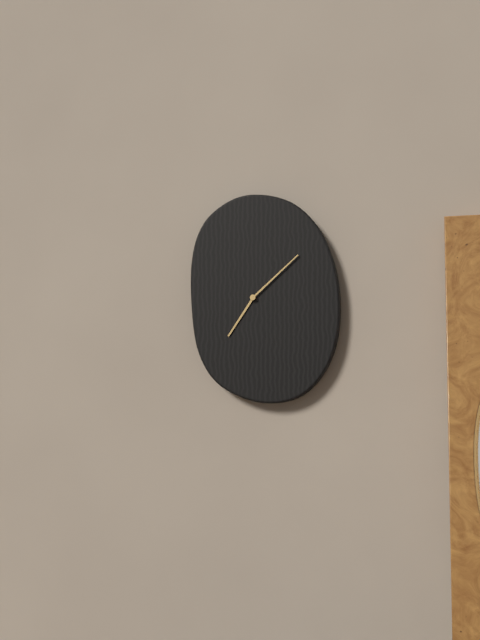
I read h=7 m=8
